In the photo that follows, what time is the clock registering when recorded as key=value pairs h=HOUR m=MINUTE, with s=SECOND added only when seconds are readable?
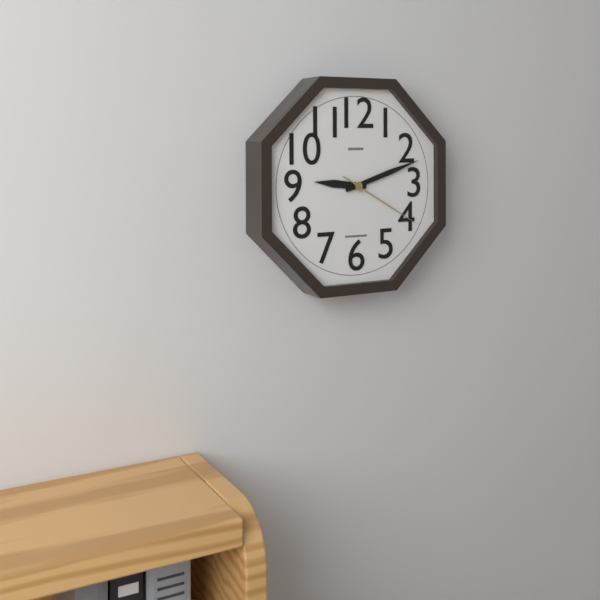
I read h=9 m=12 s=20
